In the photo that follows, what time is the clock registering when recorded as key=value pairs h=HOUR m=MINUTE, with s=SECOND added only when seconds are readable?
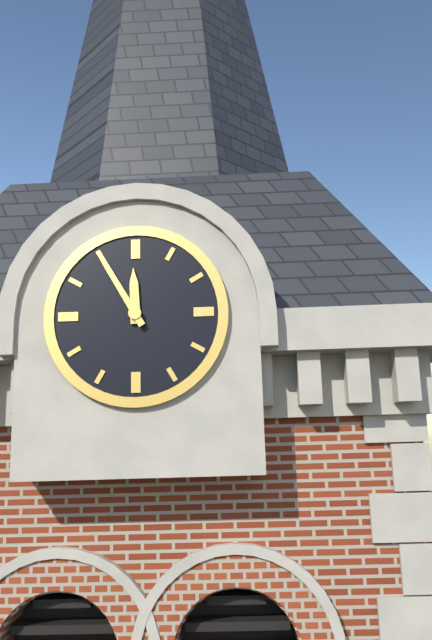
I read h=11 m=55
